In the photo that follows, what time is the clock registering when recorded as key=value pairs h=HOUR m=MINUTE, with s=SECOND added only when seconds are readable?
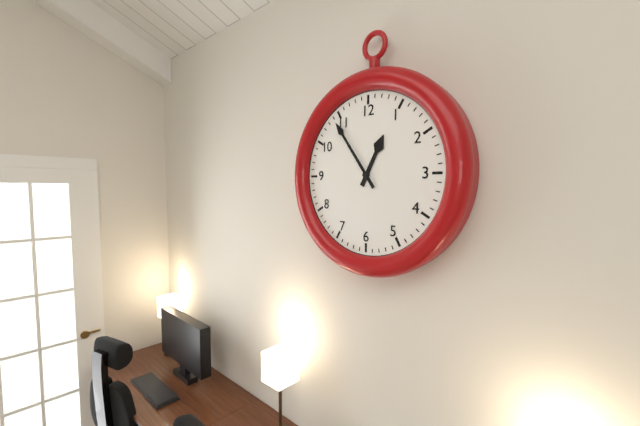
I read h=12 m=54
